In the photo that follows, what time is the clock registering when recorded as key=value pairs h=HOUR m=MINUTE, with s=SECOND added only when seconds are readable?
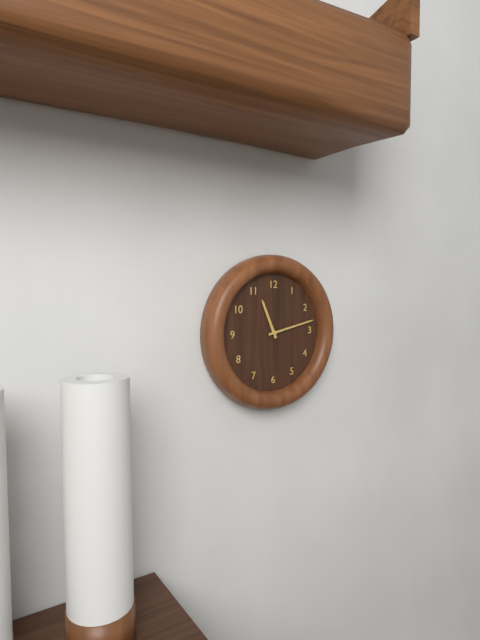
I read h=11 m=13
